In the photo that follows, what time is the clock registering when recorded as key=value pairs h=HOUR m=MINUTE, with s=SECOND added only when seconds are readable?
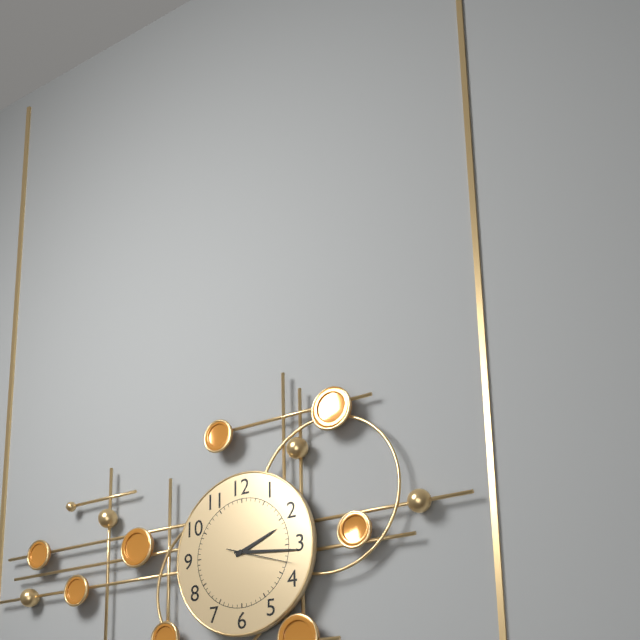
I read h=2 m=16 s=18
